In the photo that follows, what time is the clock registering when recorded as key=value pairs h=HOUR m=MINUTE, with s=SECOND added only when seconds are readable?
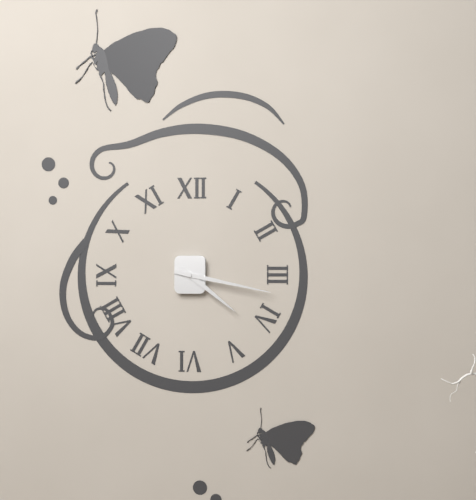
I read h=4 m=17
